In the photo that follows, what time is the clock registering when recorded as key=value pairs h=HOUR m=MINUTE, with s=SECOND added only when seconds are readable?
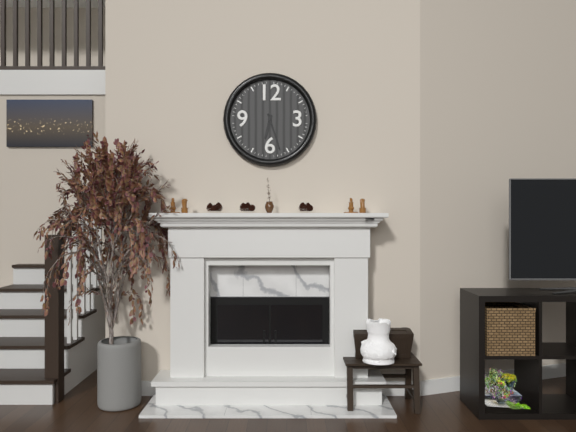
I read h=6 m=27
